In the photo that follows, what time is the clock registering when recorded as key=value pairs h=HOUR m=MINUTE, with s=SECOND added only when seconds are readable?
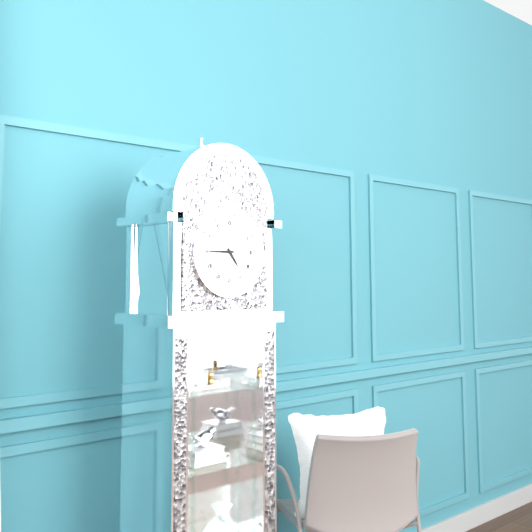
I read h=4 m=45
